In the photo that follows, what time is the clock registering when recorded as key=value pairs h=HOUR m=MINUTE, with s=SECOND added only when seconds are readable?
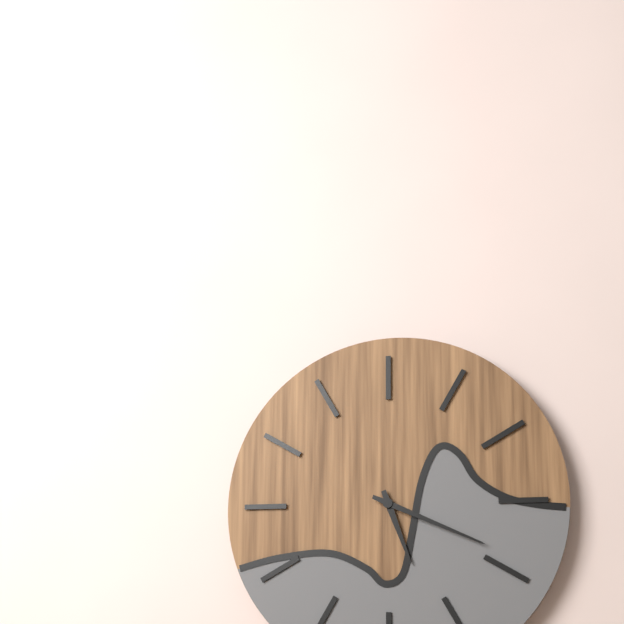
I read h=5 m=19
